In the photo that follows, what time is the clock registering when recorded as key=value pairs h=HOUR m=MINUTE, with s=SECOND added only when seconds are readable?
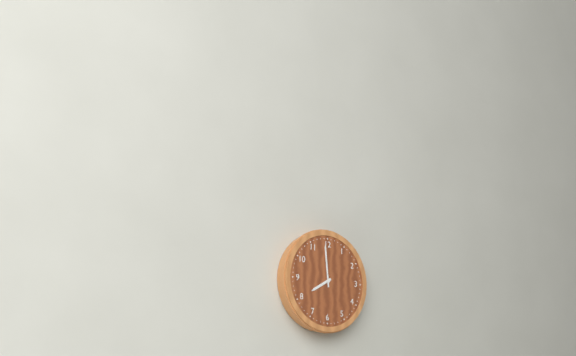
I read h=7 m=59
